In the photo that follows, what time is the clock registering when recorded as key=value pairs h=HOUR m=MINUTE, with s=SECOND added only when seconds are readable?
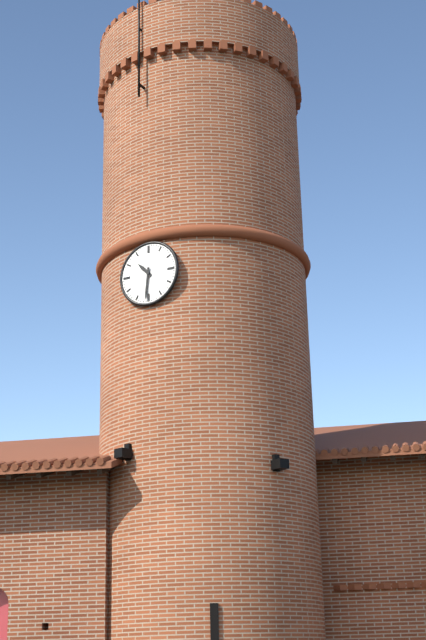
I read h=10 m=31
